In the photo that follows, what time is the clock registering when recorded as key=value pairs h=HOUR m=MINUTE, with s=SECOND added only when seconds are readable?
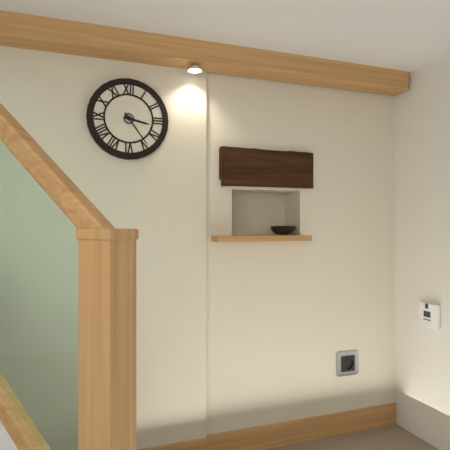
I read h=3 m=24
